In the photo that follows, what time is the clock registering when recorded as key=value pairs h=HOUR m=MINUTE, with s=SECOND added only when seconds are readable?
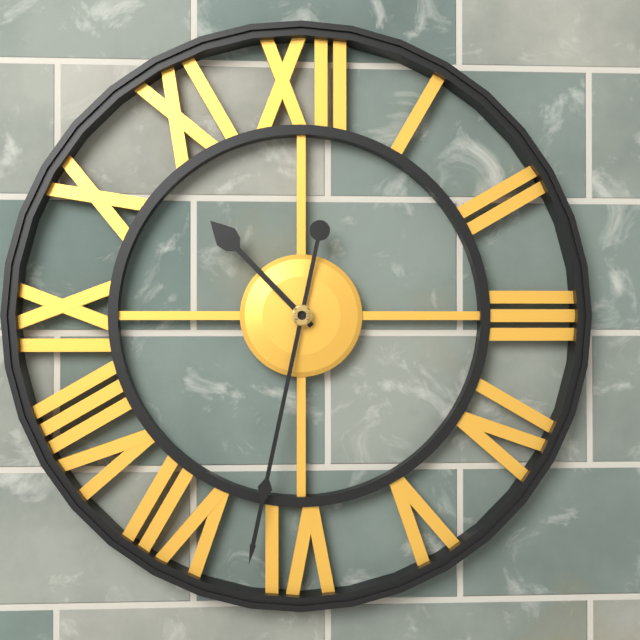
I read h=10 m=32
